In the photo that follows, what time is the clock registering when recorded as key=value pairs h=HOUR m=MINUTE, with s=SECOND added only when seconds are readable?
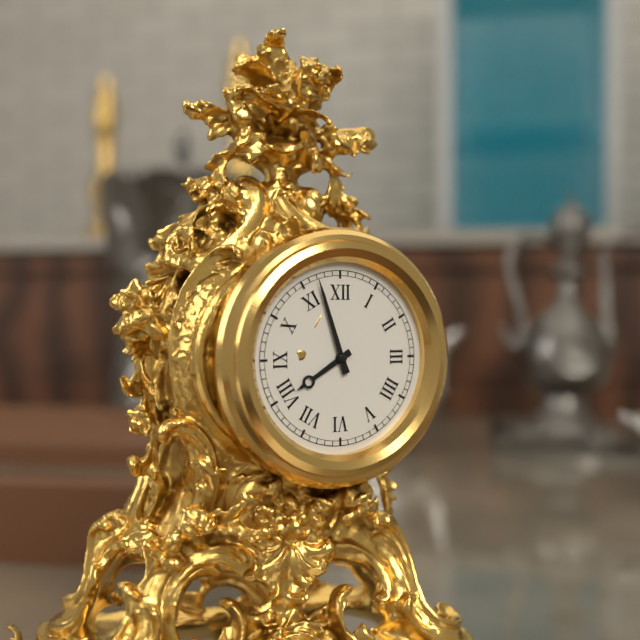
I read h=7 m=57
